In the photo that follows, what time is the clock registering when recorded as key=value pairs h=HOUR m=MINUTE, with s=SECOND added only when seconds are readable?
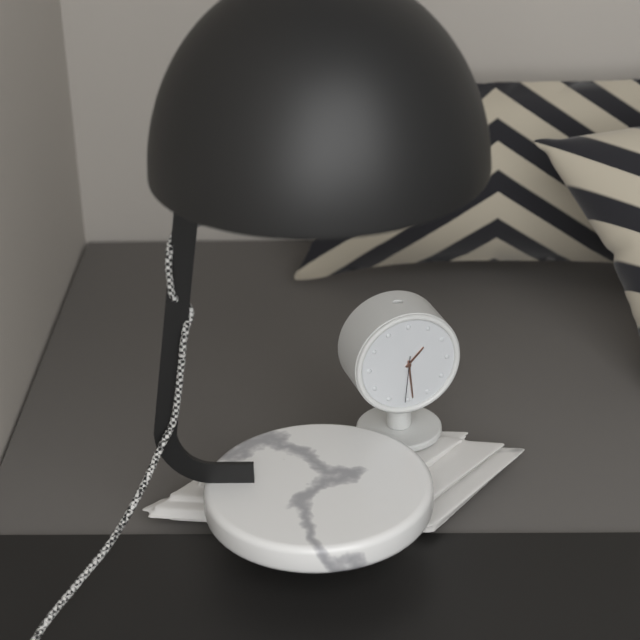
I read h=1 m=29
